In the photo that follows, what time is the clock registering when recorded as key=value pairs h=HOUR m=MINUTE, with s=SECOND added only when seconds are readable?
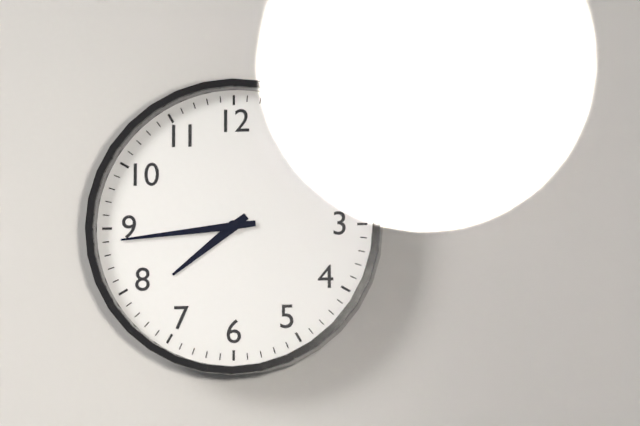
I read h=7 m=44
